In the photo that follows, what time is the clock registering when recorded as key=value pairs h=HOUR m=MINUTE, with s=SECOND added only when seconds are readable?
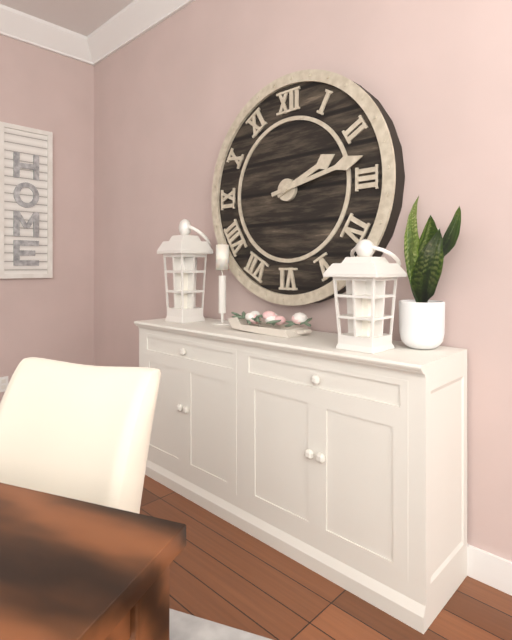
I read h=2 m=13
